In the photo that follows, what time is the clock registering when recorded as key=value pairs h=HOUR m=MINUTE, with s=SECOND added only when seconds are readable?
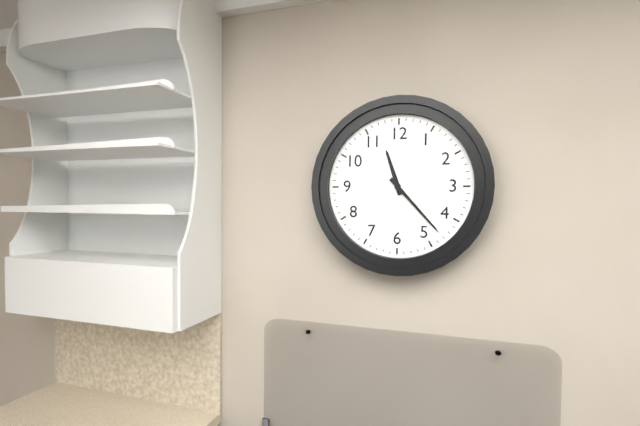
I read h=11 m=23
